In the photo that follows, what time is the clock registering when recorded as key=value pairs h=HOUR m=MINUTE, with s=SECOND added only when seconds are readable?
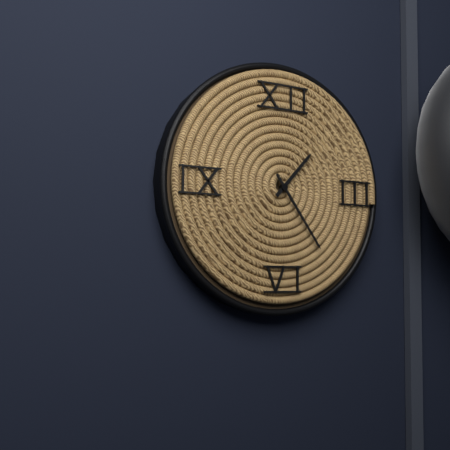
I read h=1 m=24
